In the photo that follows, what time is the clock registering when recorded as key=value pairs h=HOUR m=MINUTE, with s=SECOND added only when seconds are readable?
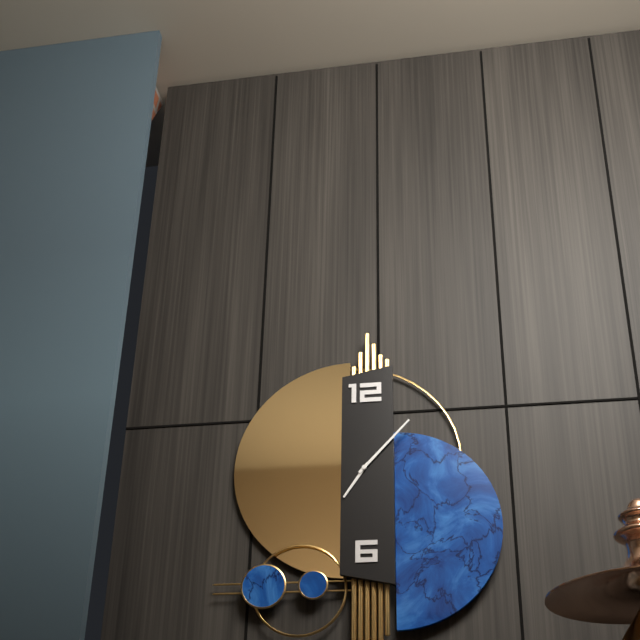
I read h=7 m=7
